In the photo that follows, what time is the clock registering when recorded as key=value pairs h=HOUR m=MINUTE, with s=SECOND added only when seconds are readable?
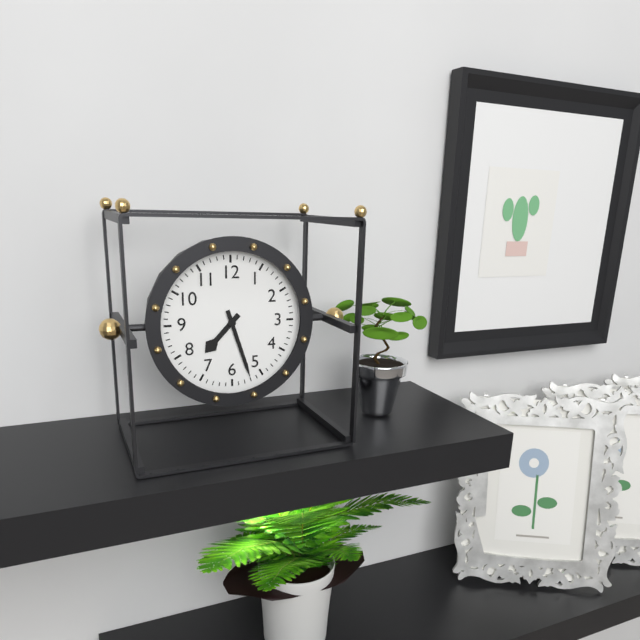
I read h=7 m=27
